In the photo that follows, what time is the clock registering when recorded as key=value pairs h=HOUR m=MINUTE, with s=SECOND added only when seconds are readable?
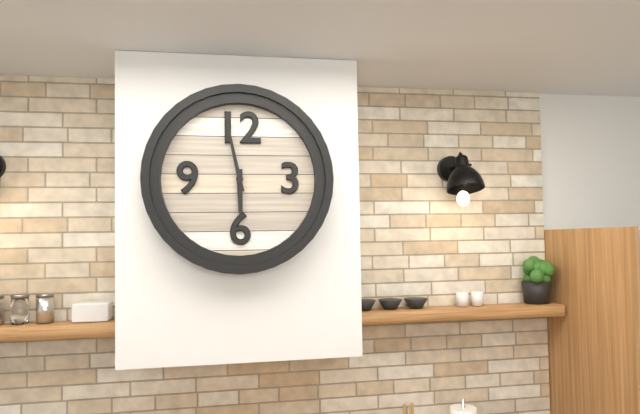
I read h=5 m=58
